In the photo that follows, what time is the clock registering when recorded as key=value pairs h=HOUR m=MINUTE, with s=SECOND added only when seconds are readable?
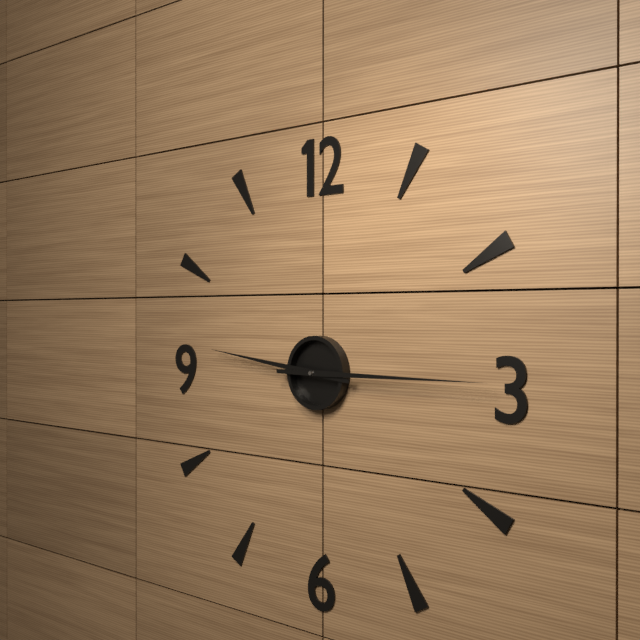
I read h=9 m=15
